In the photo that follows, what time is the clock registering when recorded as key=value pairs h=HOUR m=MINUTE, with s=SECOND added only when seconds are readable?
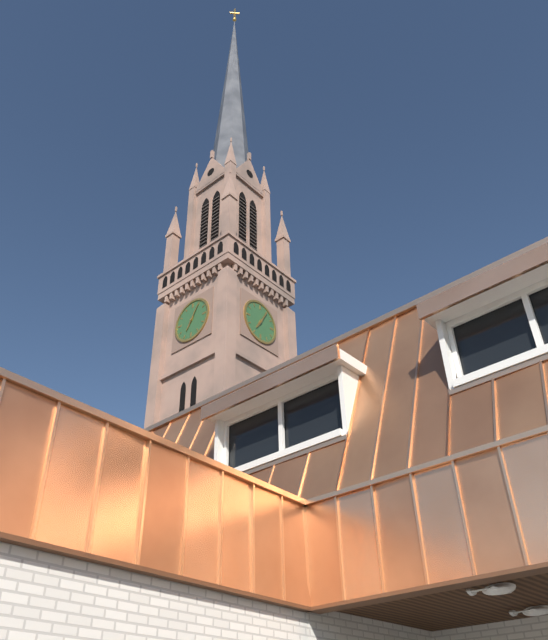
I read h=7 m=5
